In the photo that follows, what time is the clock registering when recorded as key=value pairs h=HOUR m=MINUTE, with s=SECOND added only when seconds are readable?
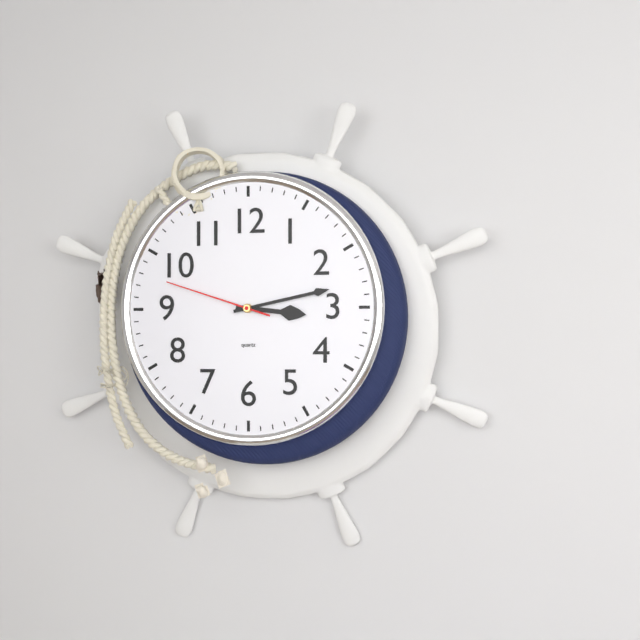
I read h=3 m=13 s=48
